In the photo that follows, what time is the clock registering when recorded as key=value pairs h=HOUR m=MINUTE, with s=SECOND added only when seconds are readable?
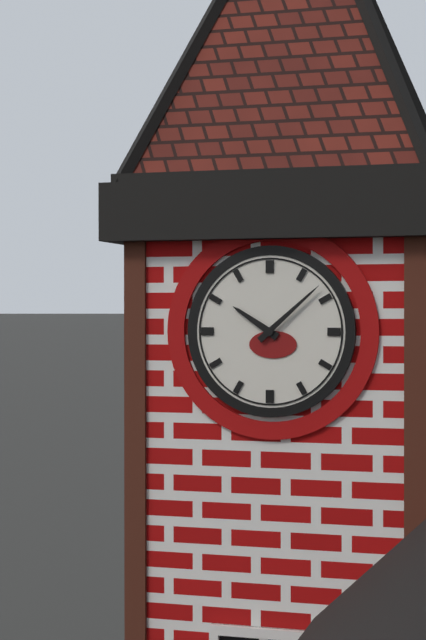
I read h=10 m=8
